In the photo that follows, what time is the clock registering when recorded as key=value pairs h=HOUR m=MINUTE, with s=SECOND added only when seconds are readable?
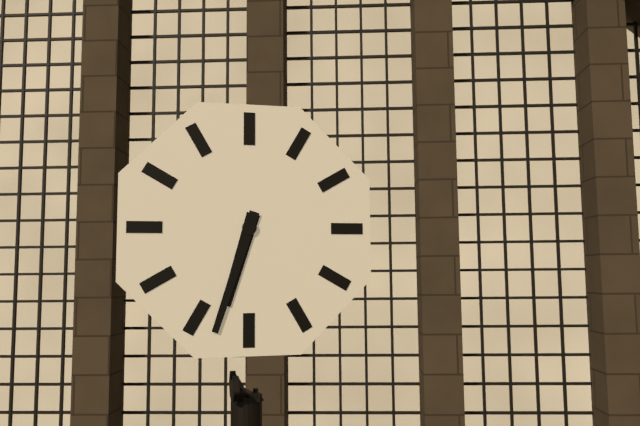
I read h=6 m=33
